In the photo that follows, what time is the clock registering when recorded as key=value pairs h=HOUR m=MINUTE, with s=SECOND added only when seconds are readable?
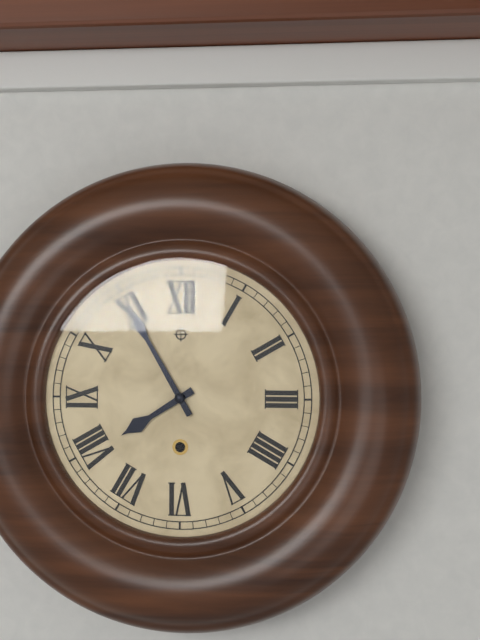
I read h=7 m=55
